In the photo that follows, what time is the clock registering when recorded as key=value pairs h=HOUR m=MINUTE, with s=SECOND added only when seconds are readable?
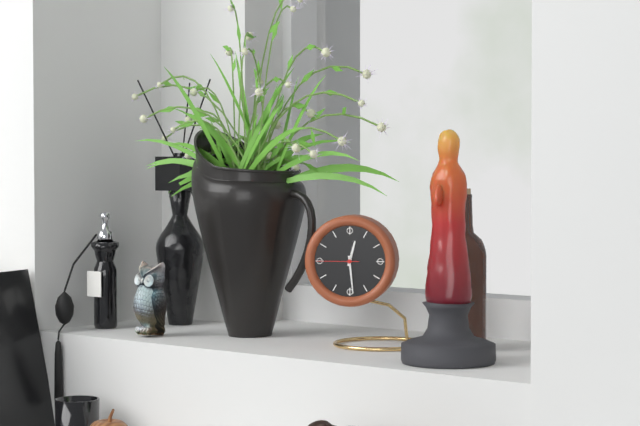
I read h=12 m=29
